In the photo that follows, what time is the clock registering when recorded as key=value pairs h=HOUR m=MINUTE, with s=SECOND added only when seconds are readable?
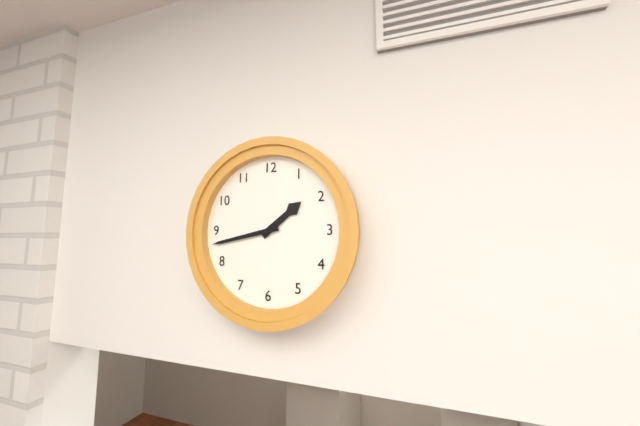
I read h=1 m=43
